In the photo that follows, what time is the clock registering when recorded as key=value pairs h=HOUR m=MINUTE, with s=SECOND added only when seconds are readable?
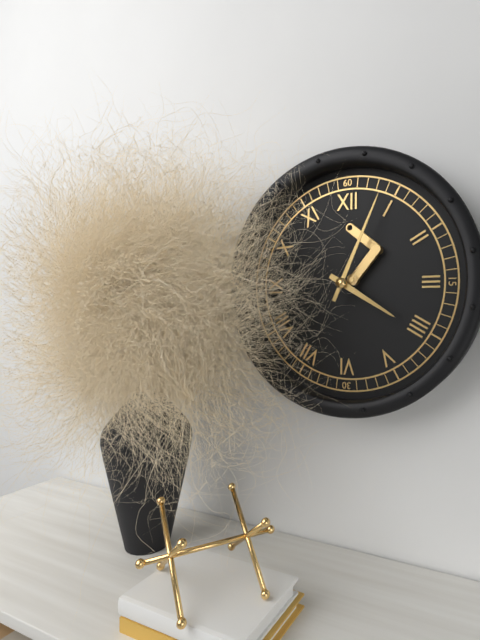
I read h=4 m=4
